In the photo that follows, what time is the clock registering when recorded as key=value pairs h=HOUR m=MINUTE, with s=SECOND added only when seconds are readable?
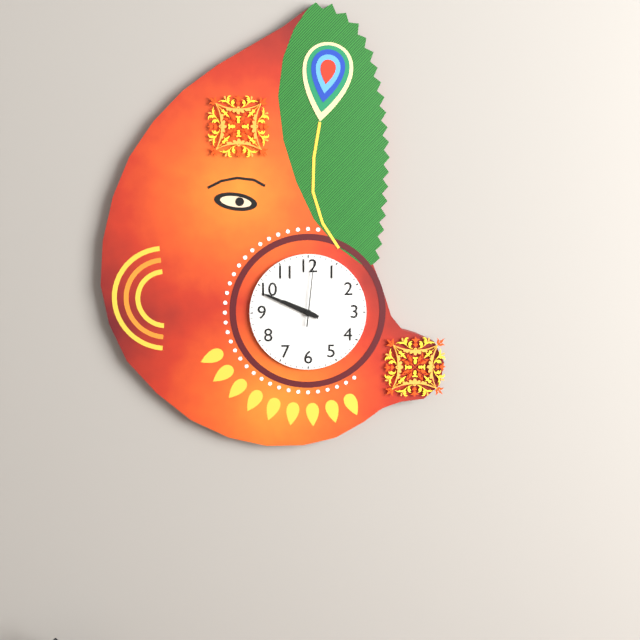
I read h=9 m=49 s=1
